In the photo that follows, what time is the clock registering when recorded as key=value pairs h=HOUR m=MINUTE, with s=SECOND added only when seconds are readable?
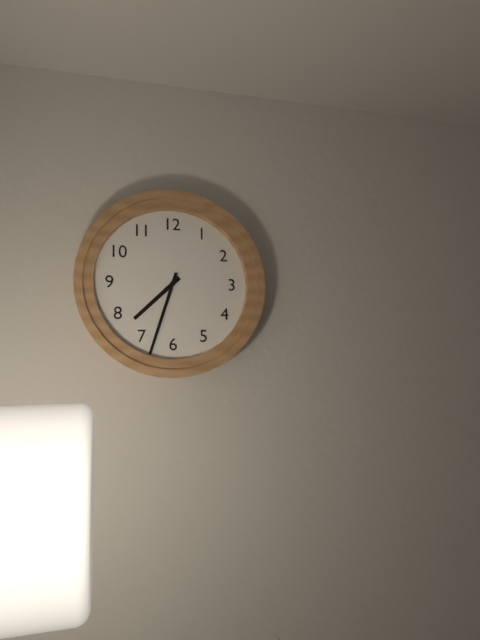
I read h=7 m=33
